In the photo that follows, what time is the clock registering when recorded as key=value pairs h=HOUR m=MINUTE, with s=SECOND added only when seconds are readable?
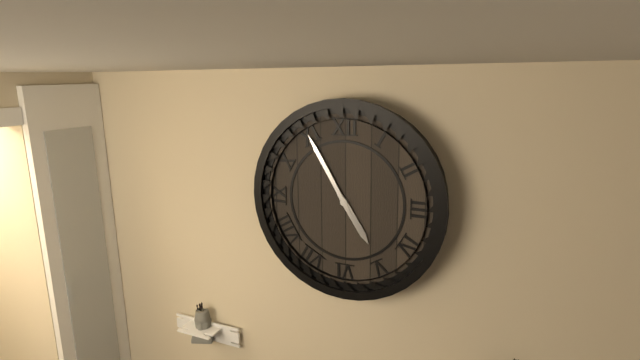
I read h=4 m=55
